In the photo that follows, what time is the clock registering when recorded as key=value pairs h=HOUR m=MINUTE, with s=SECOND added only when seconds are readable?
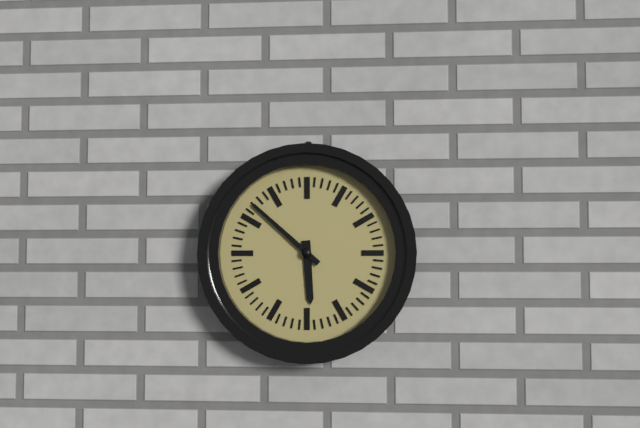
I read h=5 m=52
